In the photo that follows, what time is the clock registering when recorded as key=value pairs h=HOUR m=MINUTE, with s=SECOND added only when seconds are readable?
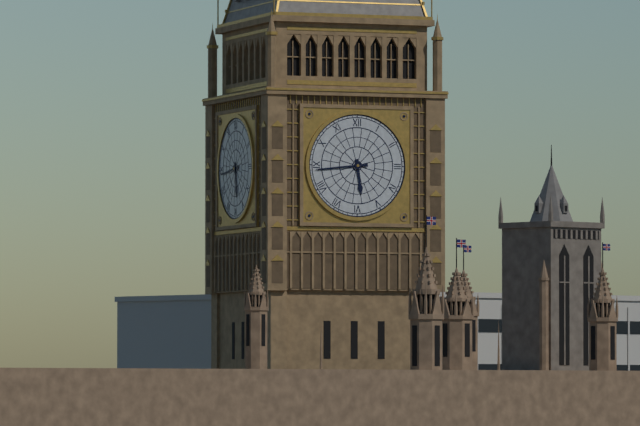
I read h=5 m=44
